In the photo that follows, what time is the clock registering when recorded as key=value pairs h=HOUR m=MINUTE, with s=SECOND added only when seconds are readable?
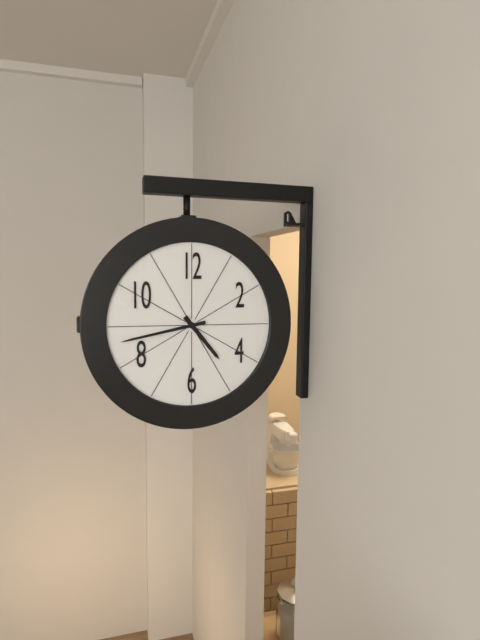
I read h=4 m=43
